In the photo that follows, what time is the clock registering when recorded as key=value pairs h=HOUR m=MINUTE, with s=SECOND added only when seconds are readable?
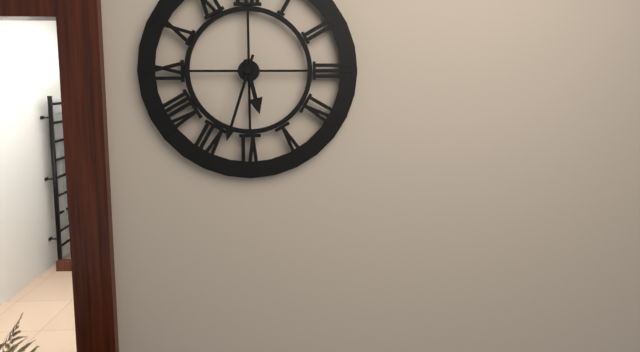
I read h=5 m=33
